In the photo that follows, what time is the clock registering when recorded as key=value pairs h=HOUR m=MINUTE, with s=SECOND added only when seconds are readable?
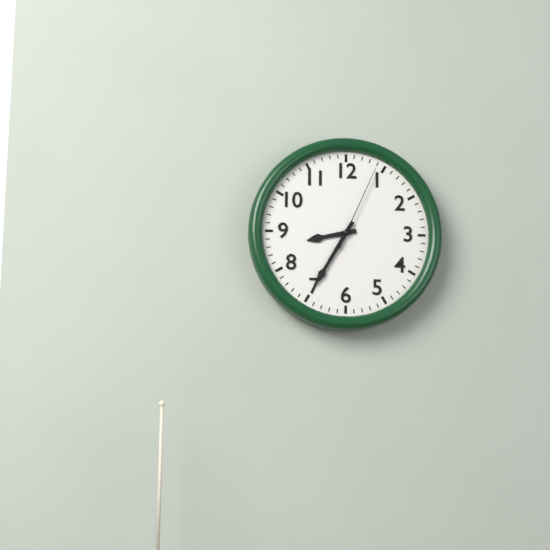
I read h=8 m=35 s=4
